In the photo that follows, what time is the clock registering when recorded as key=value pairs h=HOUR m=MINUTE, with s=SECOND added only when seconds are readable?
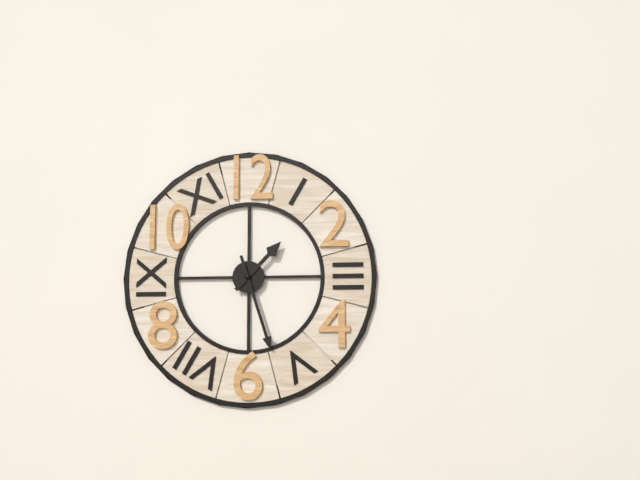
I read h=1 m=27
